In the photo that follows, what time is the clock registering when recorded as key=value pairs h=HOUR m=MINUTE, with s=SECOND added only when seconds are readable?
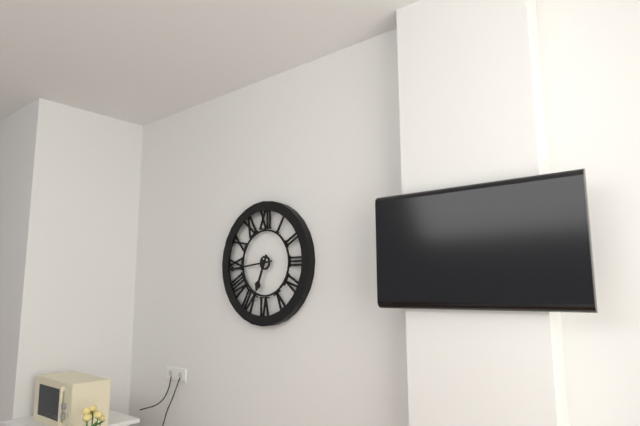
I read h=6 m=44
